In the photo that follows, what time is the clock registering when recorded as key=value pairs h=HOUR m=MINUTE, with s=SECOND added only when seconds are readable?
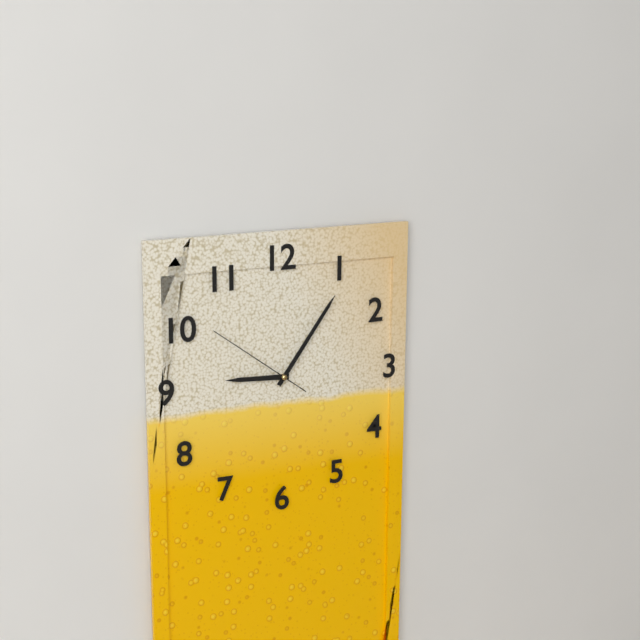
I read h=9 m=6 s=51
